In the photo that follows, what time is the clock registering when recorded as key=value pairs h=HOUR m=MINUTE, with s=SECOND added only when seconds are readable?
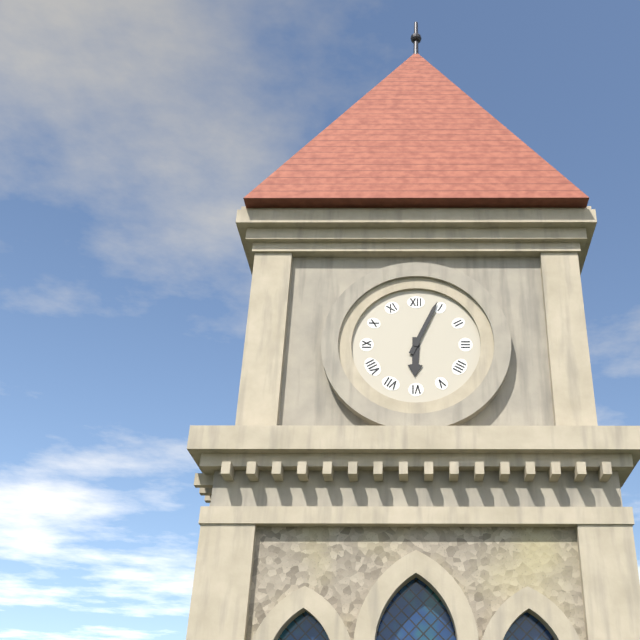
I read h=6 m=4
